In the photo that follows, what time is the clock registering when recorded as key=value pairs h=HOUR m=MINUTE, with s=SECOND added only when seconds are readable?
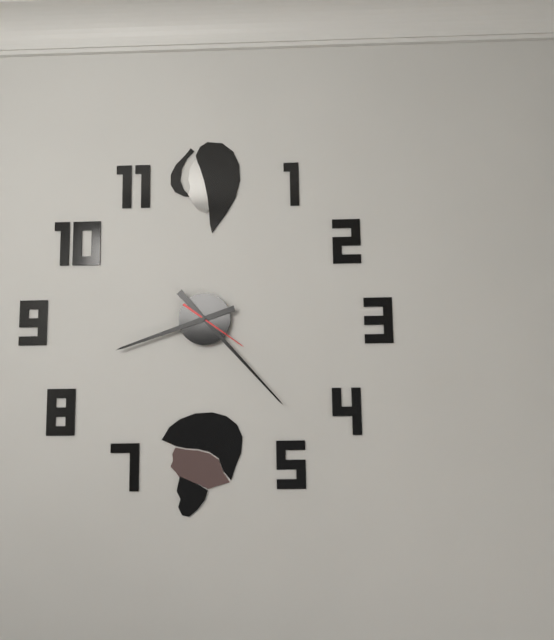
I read h=8 m=23 s=21
